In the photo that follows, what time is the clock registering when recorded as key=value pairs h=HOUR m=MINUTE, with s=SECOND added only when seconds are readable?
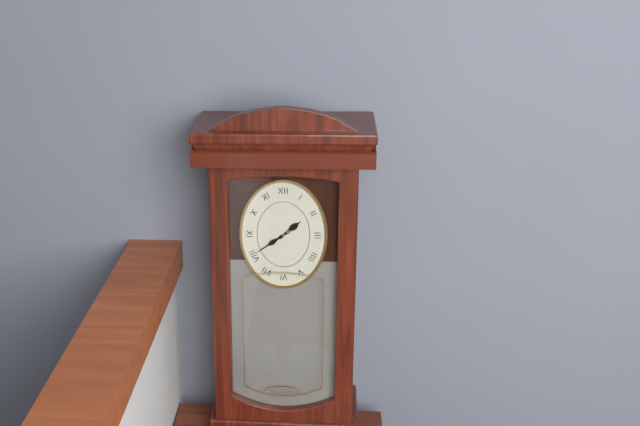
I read h=1 m=39
